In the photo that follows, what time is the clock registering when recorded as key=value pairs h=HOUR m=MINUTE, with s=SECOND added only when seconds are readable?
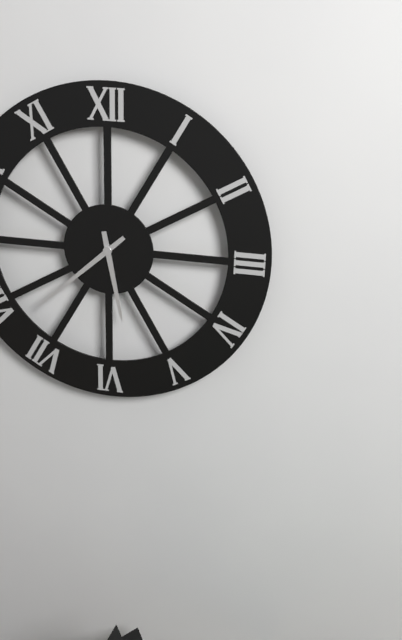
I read h=5 m=38
